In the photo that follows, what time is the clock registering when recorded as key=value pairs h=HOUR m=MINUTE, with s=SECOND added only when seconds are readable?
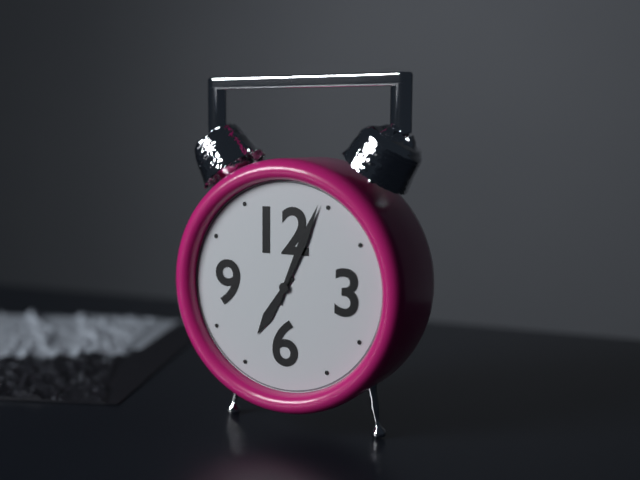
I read h=7 m=4
